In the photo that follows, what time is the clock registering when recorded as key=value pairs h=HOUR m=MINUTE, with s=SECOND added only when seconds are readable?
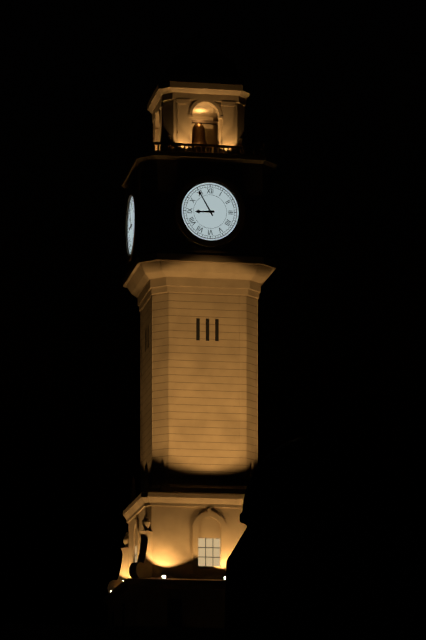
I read h=8 m=55
